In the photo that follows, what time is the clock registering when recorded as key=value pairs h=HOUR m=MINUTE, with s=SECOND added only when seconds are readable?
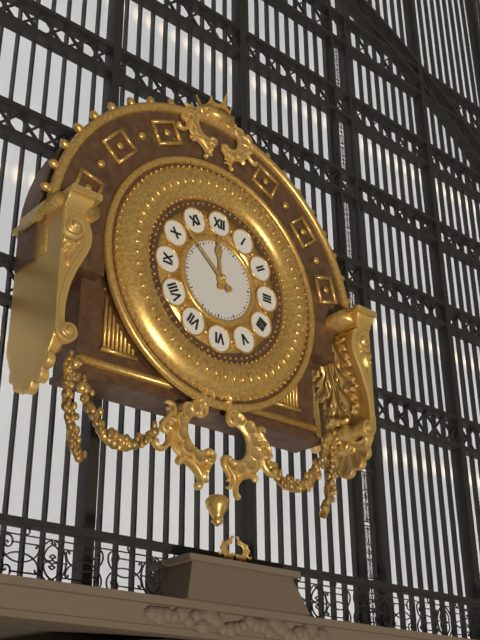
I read h=11 m=52
